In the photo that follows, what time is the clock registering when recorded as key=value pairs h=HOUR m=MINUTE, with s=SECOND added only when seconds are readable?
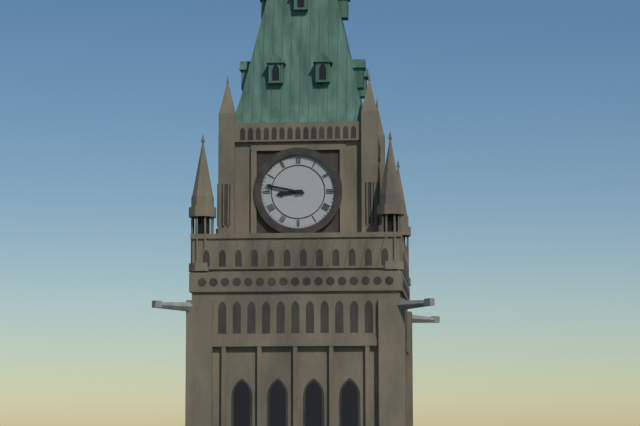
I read h=8 m=47
